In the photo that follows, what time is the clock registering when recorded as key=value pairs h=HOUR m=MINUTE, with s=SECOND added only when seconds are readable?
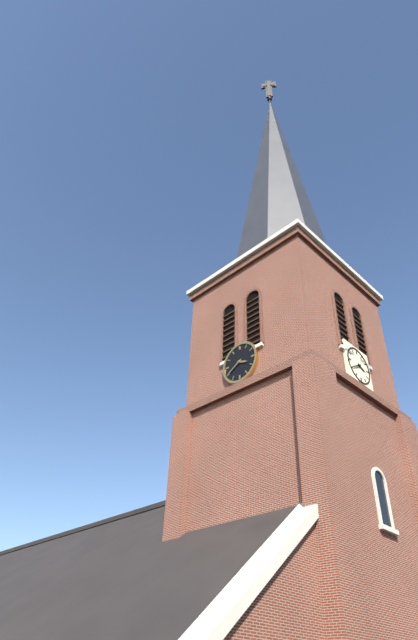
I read h=3 m=40
